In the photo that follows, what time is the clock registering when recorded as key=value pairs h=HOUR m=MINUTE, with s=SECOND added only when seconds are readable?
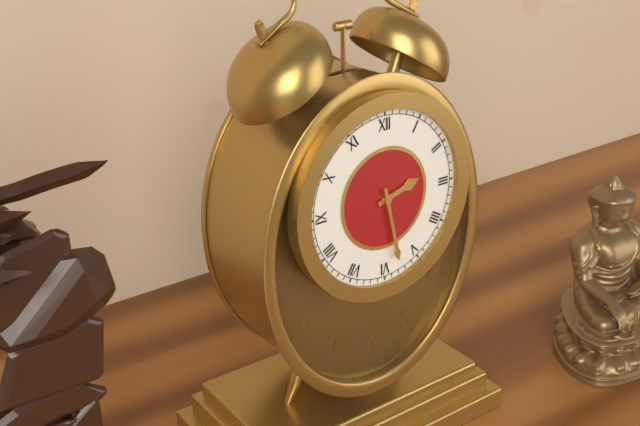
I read h=2 m=28
